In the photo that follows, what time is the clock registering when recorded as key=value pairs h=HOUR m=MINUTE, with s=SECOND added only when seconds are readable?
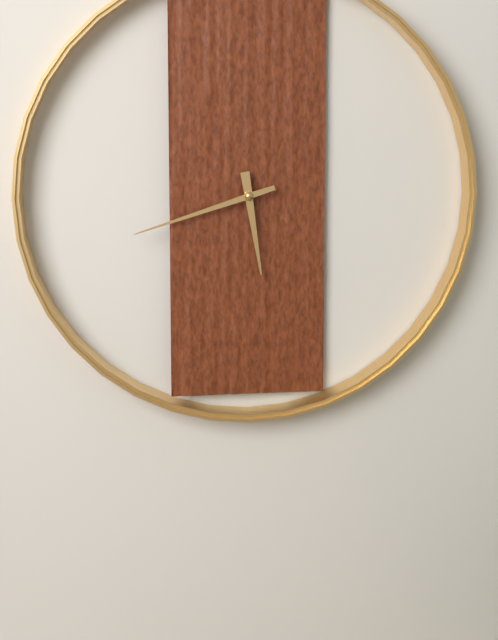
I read h=5 m=42
